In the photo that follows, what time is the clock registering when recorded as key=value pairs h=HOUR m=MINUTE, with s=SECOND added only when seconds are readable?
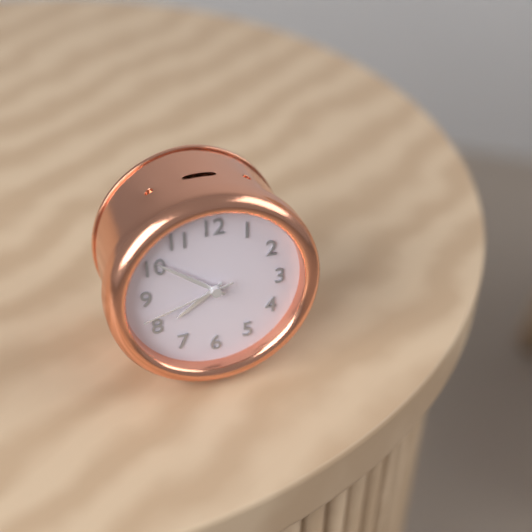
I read h=7 m=51 s=42
